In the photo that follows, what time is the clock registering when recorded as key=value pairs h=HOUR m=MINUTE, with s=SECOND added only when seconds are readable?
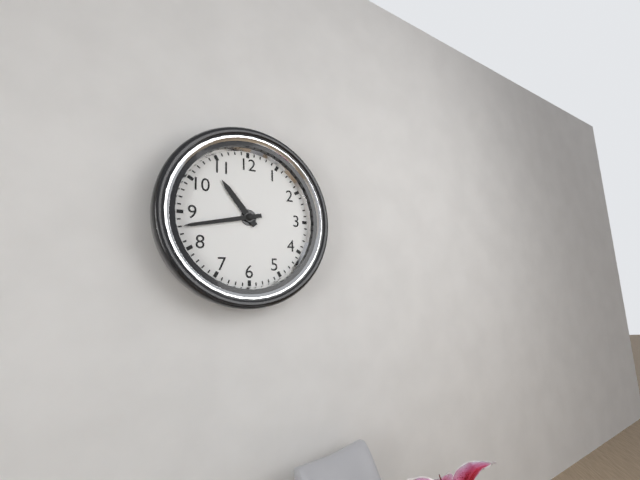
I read h=10 m=43
